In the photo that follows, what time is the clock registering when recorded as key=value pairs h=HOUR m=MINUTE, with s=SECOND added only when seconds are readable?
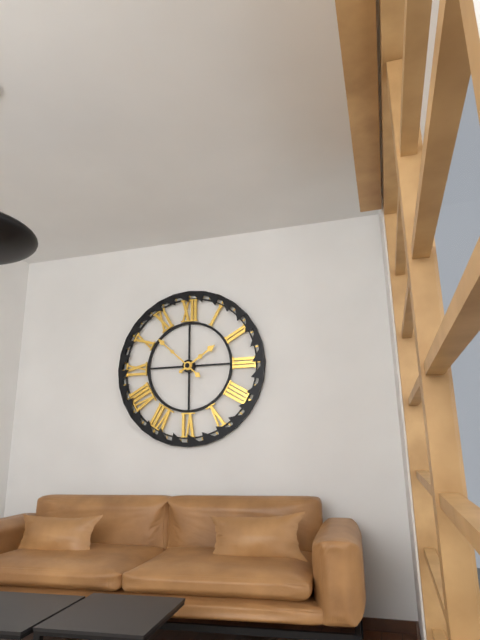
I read h=1 m=52
